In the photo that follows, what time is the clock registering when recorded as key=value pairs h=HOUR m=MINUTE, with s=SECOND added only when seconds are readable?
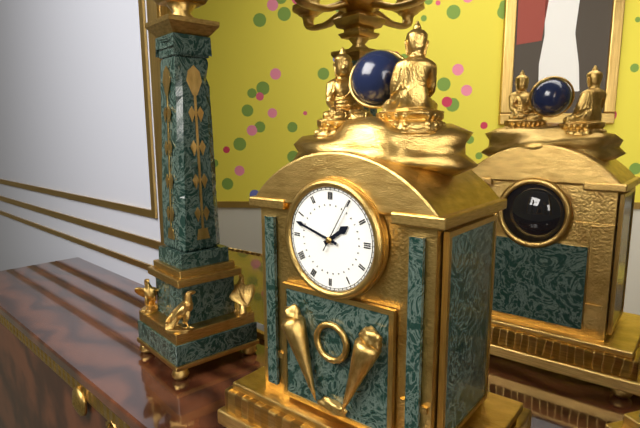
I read h=1 m=48 s=5
